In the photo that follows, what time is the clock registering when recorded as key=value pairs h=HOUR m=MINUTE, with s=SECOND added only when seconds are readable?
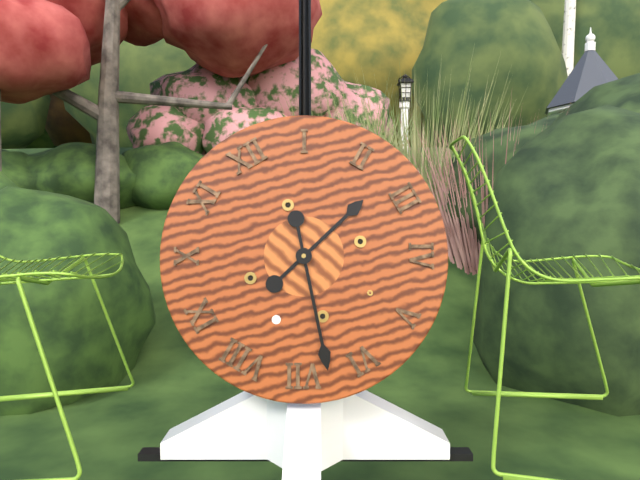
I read h=2 m=33
